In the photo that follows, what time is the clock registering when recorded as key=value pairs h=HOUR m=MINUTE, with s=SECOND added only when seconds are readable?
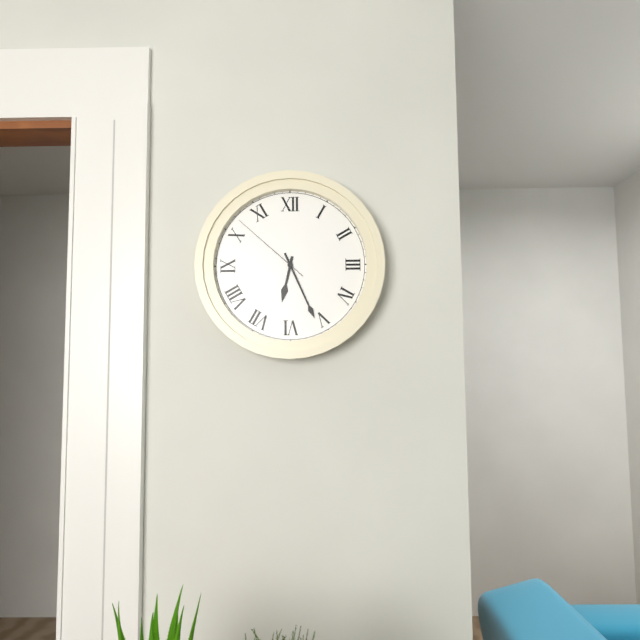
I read h=6 m=26 s=52
